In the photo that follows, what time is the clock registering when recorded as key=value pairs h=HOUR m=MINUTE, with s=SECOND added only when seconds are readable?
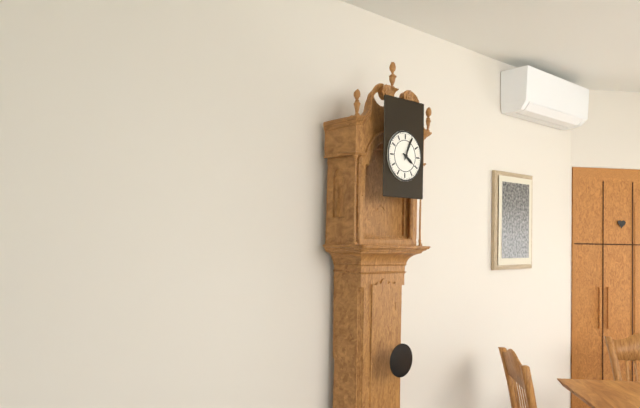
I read h=4 m=4
